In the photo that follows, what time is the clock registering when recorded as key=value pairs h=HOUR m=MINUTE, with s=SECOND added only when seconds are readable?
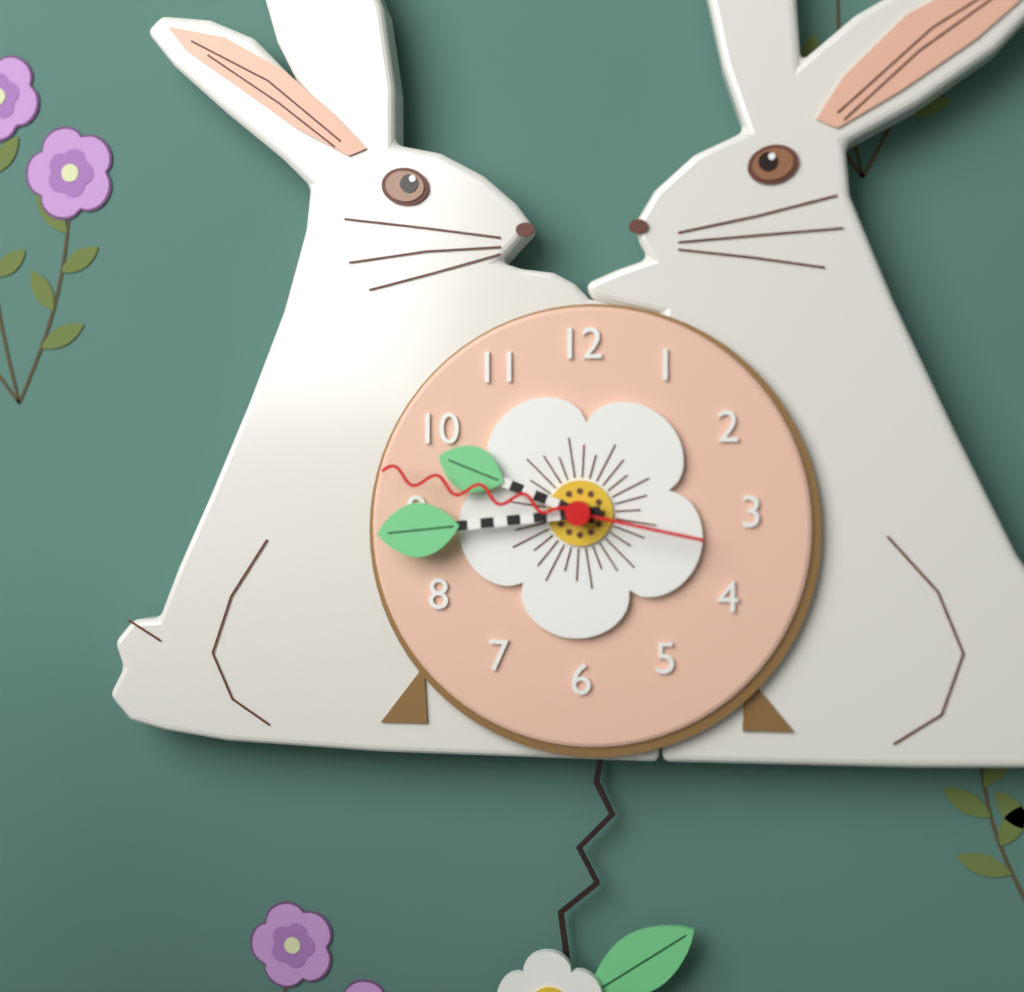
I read h=9 m=44 s=47
